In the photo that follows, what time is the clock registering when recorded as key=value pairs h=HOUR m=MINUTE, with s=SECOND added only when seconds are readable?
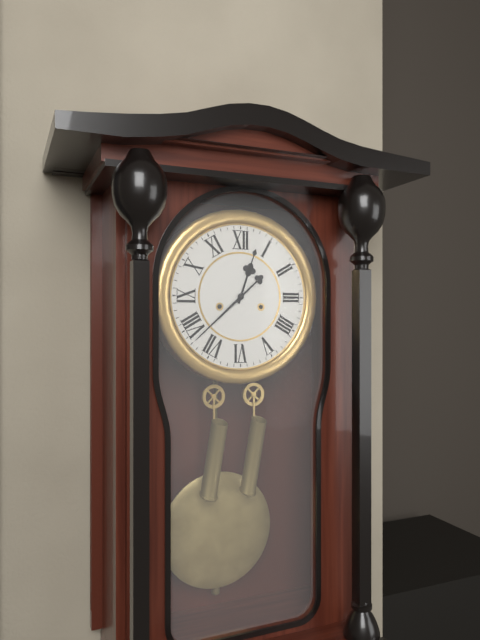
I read h=12 m=38
